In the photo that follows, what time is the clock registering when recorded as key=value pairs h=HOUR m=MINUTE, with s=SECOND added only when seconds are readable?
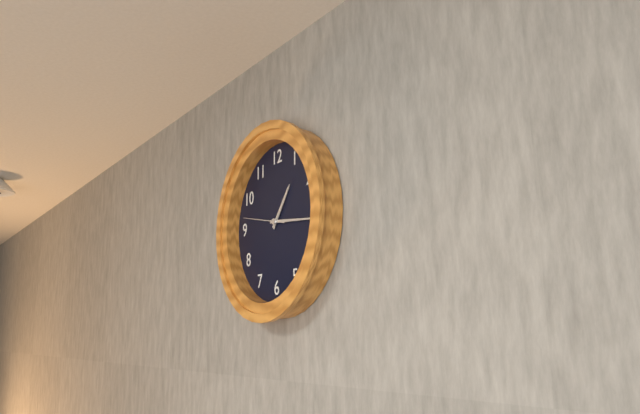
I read h=1 m=16
